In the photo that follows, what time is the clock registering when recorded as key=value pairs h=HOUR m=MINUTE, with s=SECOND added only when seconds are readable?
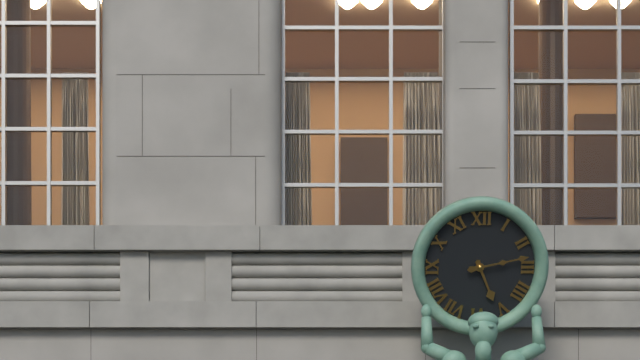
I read h=5 m=13
